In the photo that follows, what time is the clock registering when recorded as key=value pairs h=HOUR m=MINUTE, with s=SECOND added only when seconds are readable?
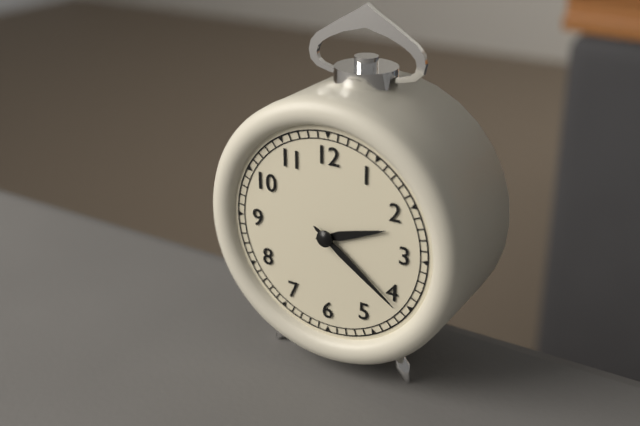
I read h=2 m=21
